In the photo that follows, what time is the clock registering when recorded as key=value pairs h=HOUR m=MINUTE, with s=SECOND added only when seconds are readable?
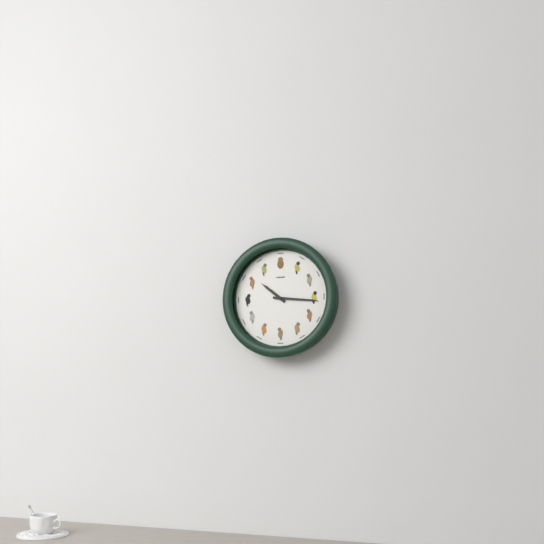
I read h=10 m=16
